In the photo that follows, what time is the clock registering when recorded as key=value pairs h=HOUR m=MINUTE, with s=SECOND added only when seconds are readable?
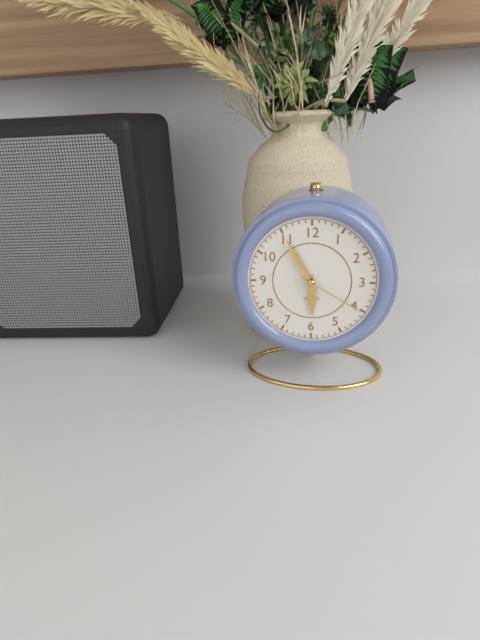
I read h=5 m=55 s=20
